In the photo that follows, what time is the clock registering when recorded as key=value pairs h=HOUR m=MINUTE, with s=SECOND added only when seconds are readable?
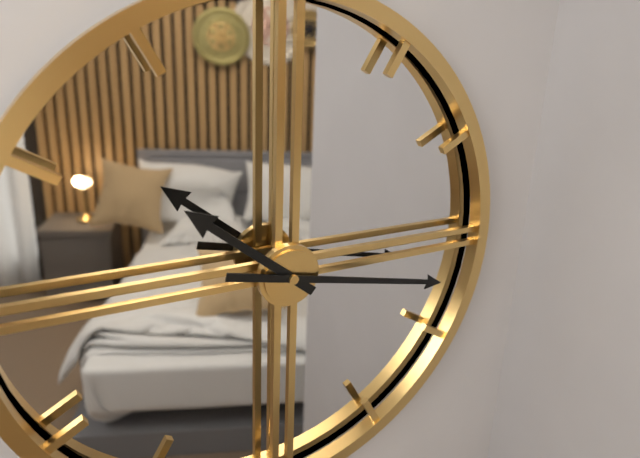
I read h=10 m=17
